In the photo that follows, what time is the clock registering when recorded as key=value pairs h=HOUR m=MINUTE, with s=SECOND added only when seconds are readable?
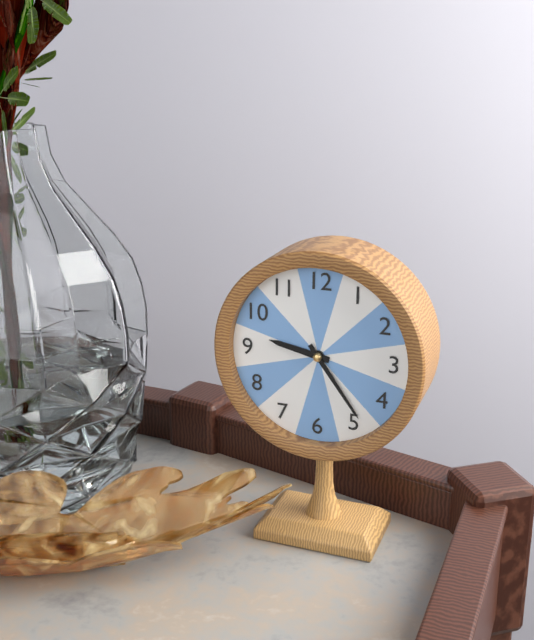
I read h=9 m=24
